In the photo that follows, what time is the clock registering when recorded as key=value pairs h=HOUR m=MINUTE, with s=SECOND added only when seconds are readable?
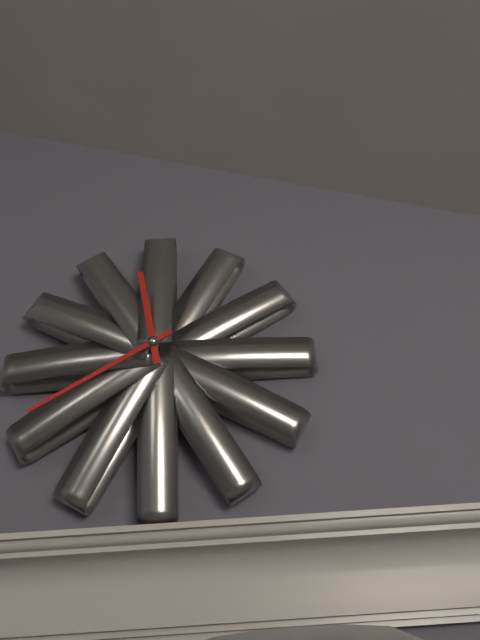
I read h=11 m=40
